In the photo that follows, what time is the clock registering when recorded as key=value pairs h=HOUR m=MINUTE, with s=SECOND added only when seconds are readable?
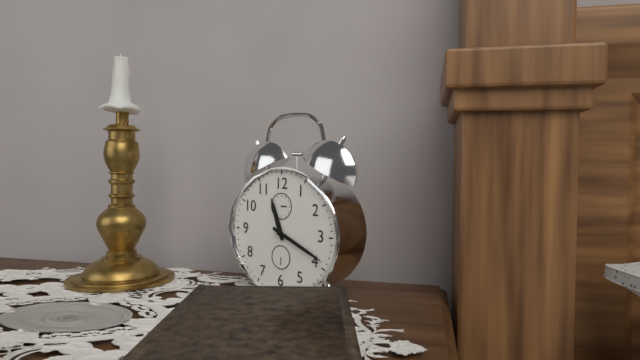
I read h=11 m=19
